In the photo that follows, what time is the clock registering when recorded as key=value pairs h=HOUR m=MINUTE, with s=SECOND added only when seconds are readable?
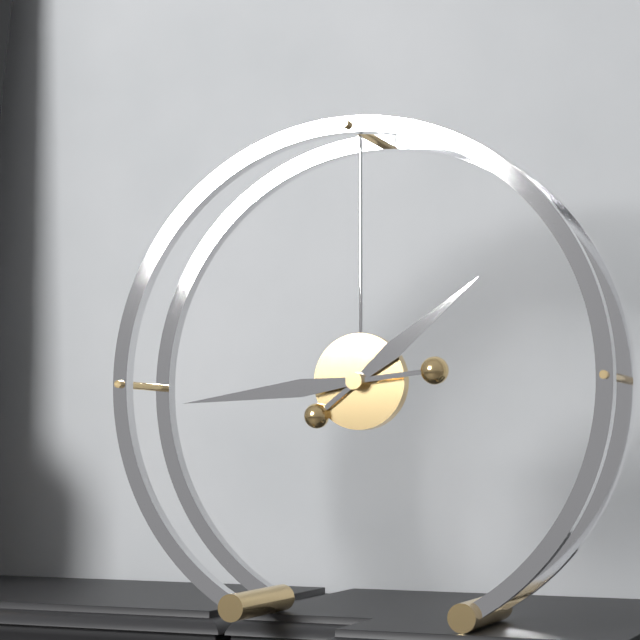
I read h=1 m=44
